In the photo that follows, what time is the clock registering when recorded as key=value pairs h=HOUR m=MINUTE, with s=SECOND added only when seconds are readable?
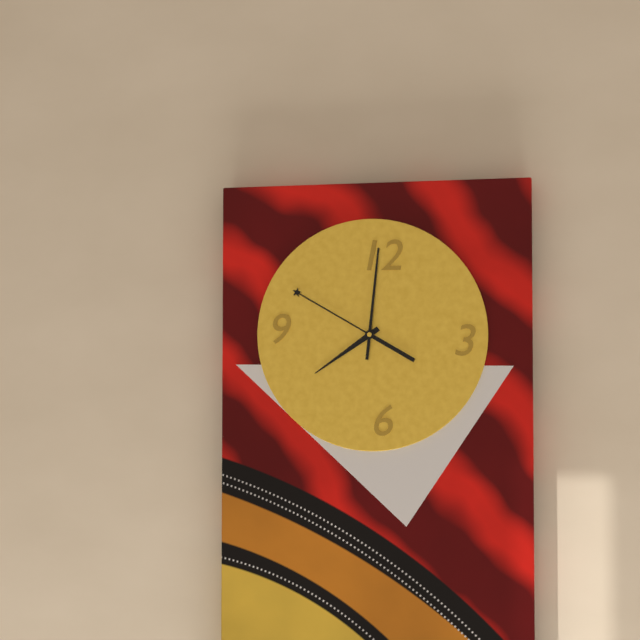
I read h=7 m=50 s=1
